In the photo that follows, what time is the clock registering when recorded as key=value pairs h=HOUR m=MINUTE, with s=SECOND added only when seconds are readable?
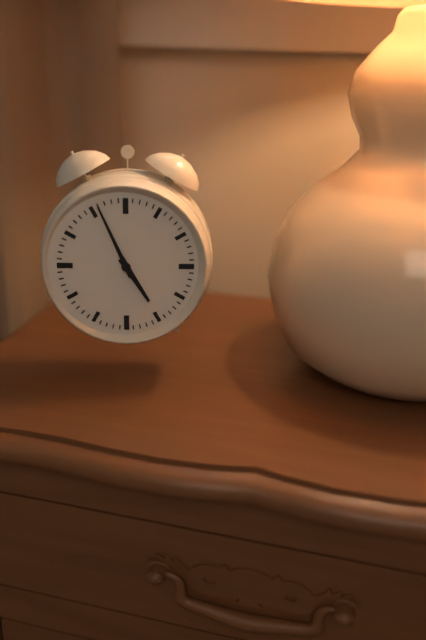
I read h=4 m=56
